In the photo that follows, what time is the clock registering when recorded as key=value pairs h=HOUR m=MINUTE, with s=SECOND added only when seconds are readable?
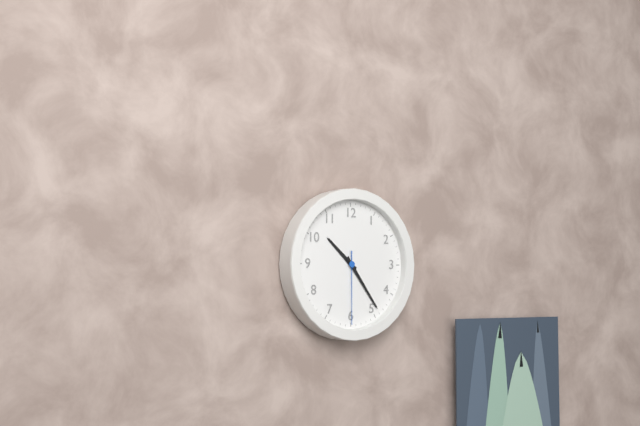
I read h=10 m=24 s=30
